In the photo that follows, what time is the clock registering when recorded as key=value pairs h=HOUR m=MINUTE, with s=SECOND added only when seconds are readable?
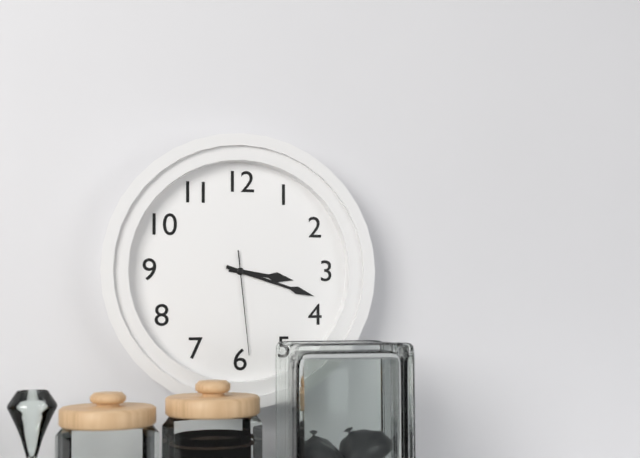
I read h=3 m=18 s=29
